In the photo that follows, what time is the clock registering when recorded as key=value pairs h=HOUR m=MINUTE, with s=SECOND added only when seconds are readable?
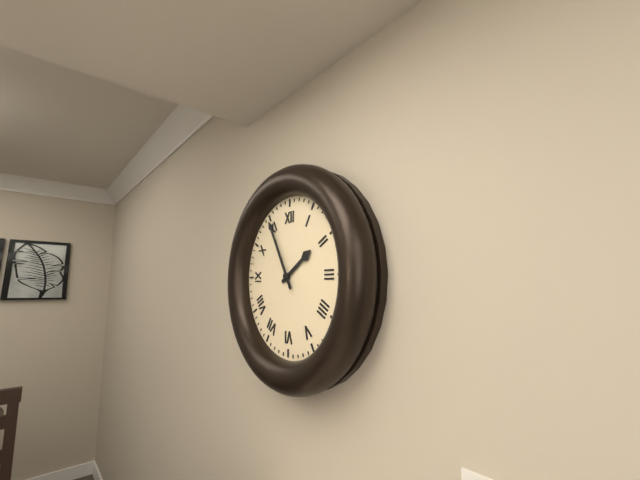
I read h=1 m=55
